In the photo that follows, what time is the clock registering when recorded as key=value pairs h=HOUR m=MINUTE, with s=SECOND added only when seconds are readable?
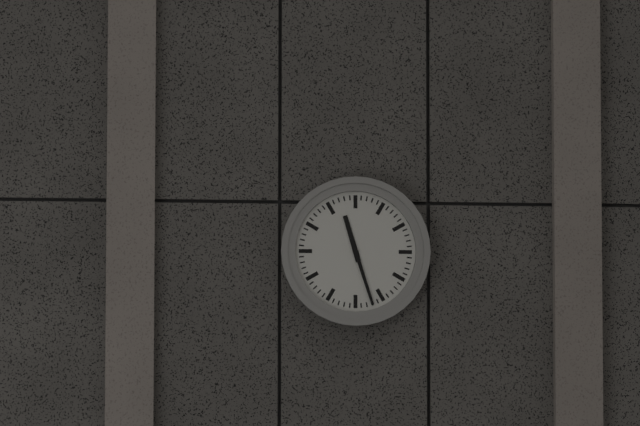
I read h=11 m=27
